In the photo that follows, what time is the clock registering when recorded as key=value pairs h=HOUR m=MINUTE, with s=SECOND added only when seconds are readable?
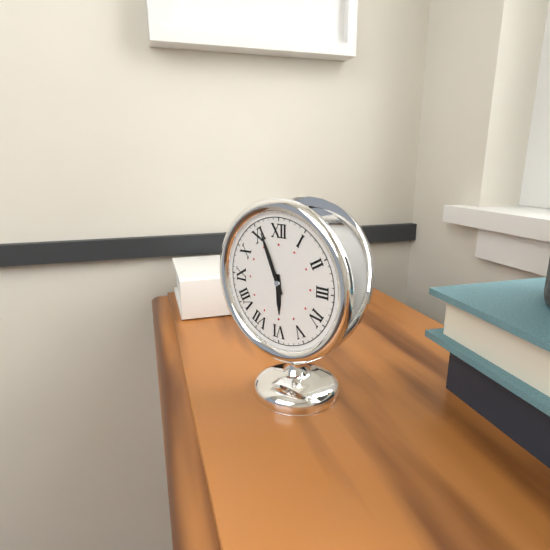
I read h=5 m=56
